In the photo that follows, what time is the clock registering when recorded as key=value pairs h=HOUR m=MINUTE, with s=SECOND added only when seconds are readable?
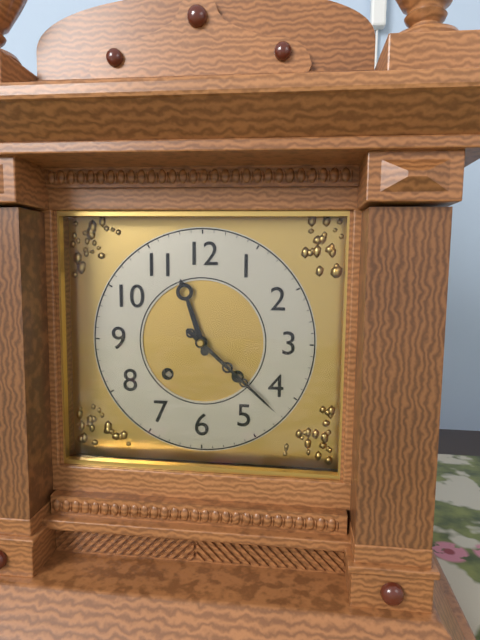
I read h=11 m=22
